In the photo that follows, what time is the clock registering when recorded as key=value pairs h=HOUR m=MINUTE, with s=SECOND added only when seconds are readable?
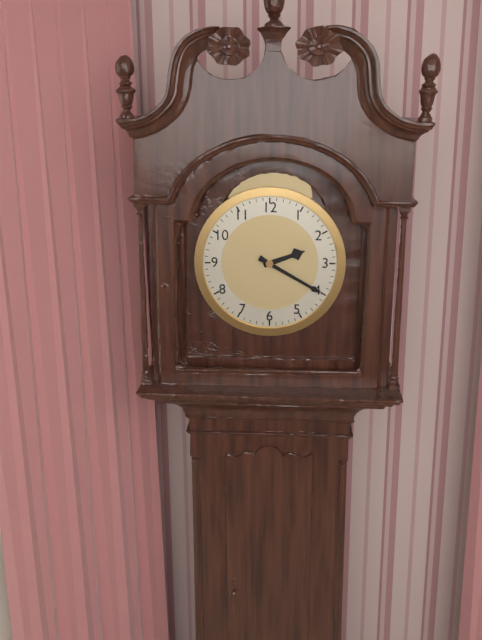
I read h=2 m=20
